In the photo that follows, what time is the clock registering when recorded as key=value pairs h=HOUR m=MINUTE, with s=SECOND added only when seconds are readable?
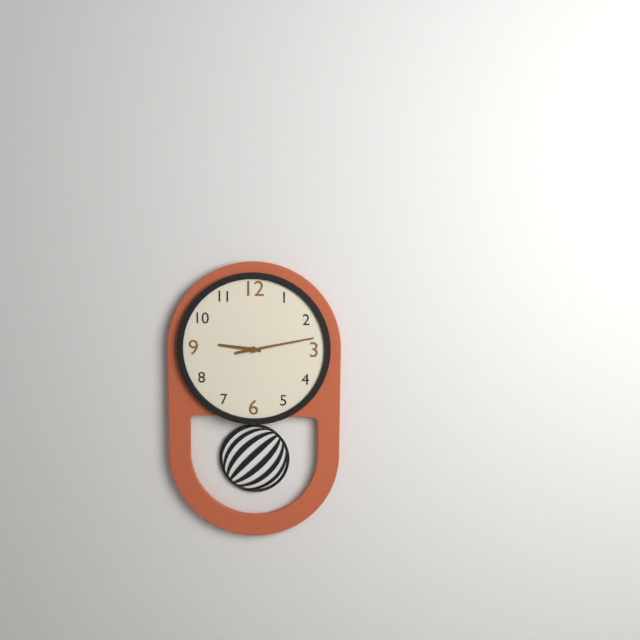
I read h=9 m=13
